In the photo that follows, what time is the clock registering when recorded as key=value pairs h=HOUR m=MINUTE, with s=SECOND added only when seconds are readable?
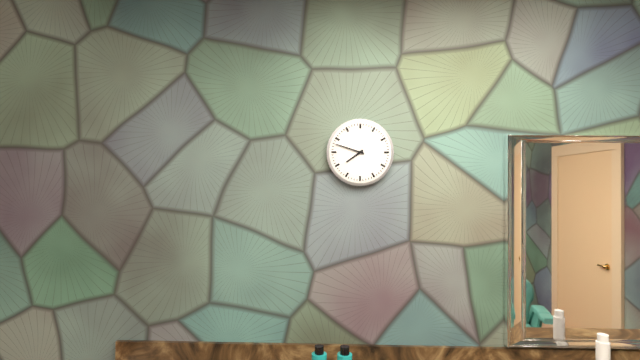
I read h=7 m=48
